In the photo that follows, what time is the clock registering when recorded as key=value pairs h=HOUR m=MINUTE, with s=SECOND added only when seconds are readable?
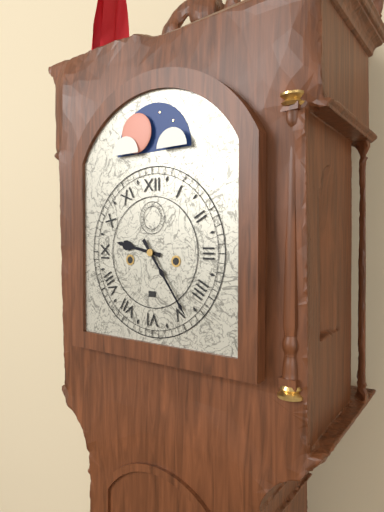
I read h=9 m=24
